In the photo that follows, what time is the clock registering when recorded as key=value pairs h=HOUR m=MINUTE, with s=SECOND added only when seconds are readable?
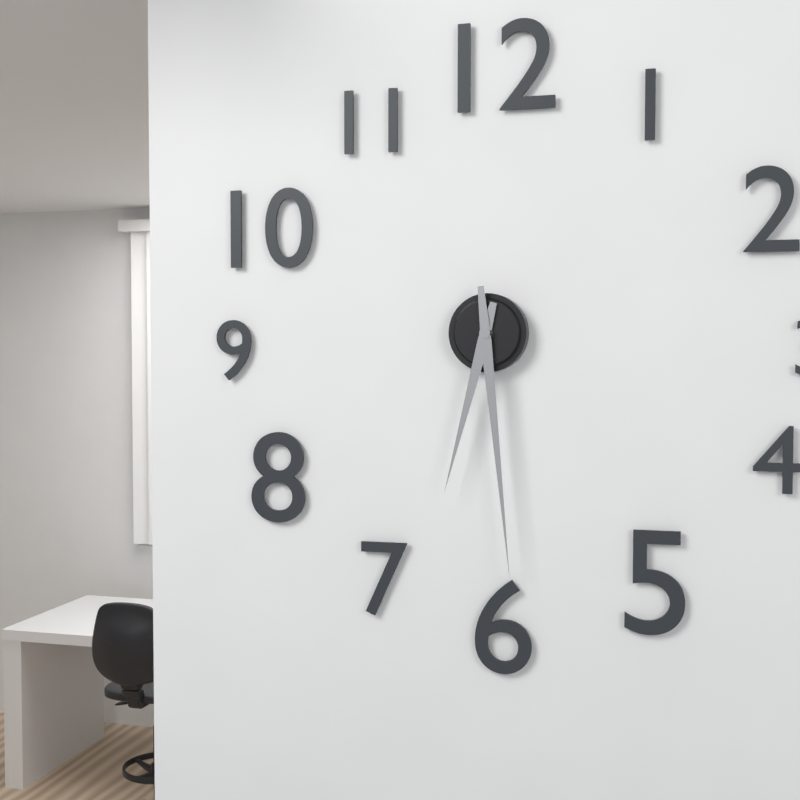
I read h=6 m=29
